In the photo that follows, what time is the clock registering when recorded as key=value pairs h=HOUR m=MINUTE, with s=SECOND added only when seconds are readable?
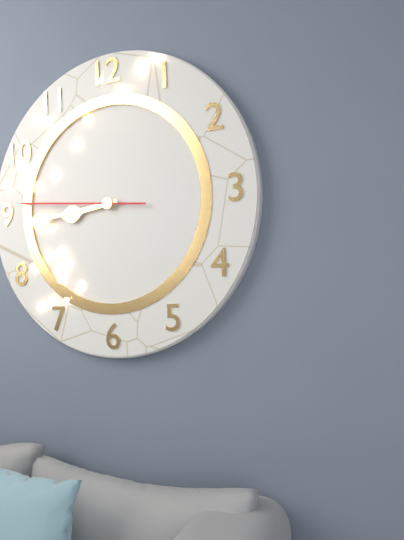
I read h=8 m=44 s=46
